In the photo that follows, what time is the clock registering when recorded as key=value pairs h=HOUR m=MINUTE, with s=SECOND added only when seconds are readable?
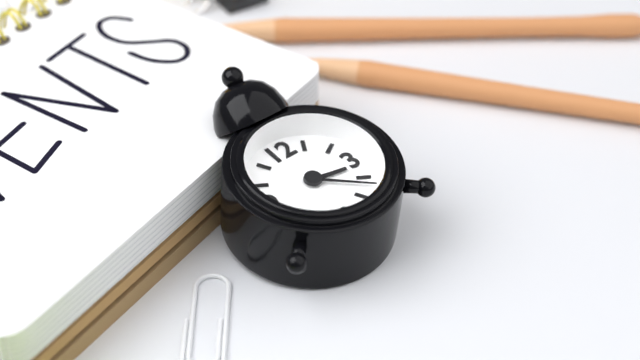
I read h=3 m=22
